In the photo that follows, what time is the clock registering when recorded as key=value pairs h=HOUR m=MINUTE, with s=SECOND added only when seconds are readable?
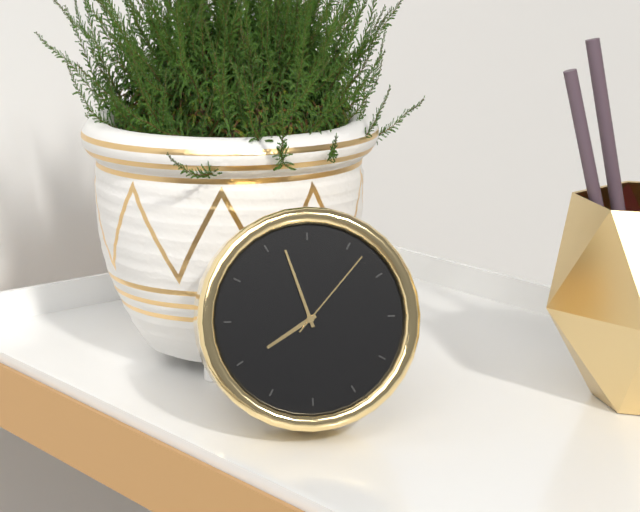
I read h=7 m=57 s=7
